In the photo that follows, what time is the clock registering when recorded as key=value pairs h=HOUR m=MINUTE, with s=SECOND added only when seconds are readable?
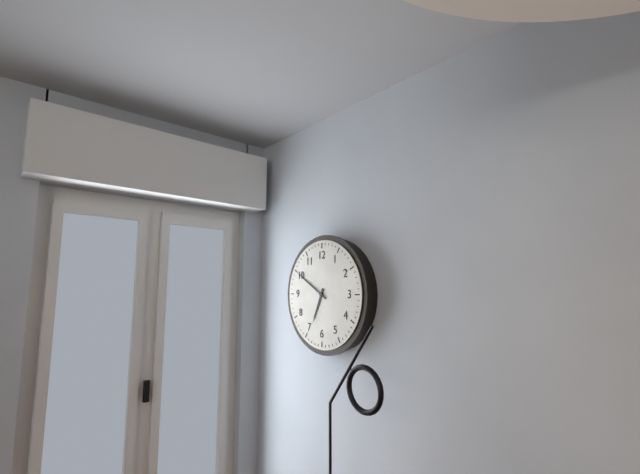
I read h=6 m=50
